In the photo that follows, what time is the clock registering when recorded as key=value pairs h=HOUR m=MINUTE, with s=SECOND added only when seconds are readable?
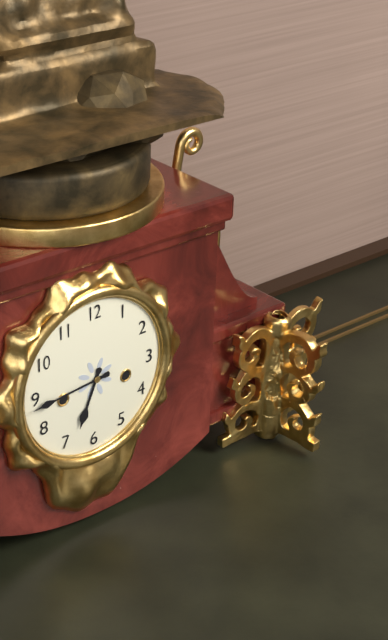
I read h=6 m=44
